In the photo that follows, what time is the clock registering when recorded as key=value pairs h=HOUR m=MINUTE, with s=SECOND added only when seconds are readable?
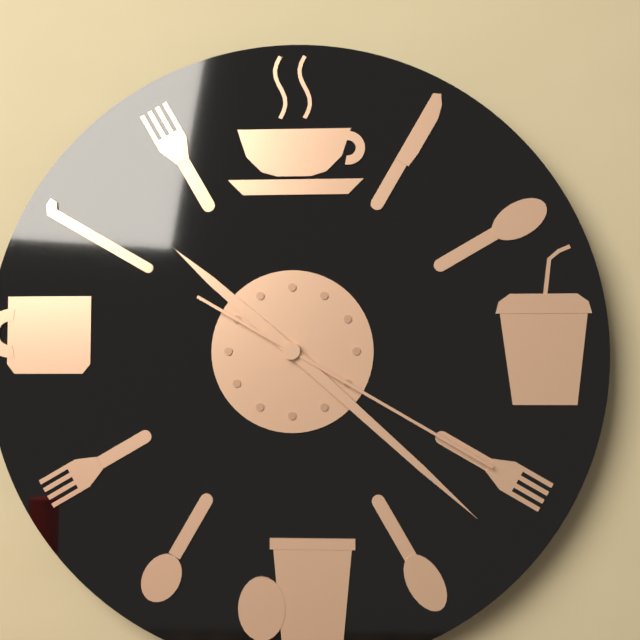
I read h=10 m=22 s=20
